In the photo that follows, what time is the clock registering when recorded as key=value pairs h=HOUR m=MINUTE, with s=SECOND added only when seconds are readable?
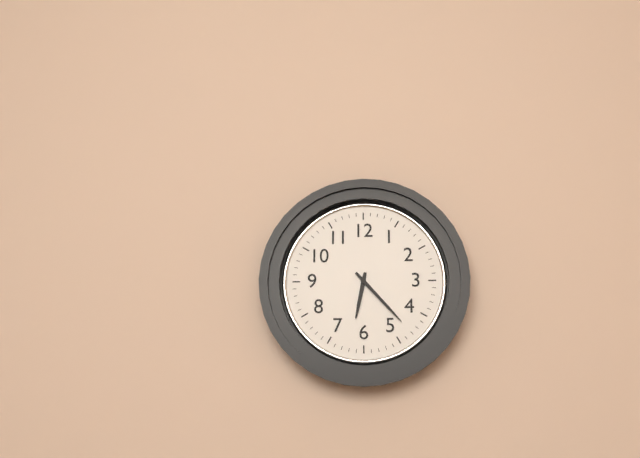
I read h=6 m=23
